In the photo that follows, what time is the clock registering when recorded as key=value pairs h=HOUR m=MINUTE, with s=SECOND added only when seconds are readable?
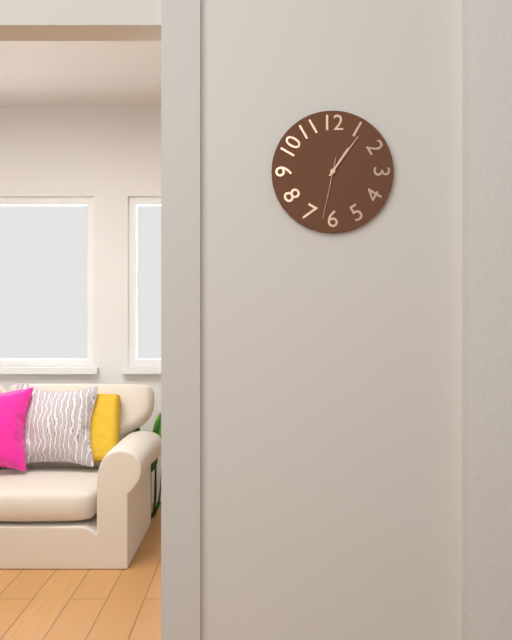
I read h=1 m=6 s=32
